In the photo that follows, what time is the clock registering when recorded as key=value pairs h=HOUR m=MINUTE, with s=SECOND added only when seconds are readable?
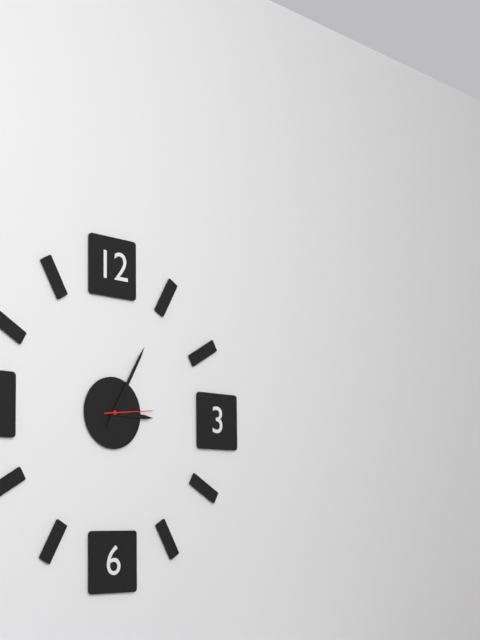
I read h=3 m=5 s=14
